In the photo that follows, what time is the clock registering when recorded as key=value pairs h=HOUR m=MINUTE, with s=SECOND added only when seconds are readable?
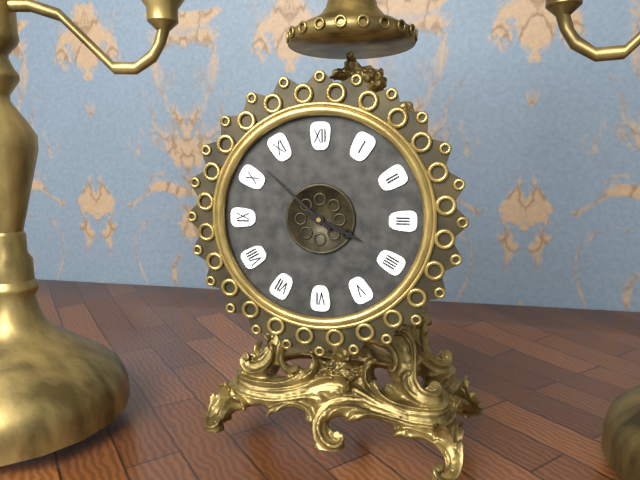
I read h=3 m=52
